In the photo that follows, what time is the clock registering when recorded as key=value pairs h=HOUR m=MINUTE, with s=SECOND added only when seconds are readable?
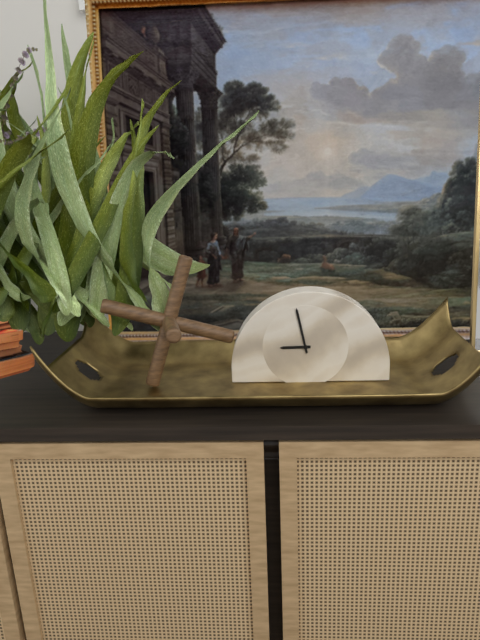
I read h=8 m=58
